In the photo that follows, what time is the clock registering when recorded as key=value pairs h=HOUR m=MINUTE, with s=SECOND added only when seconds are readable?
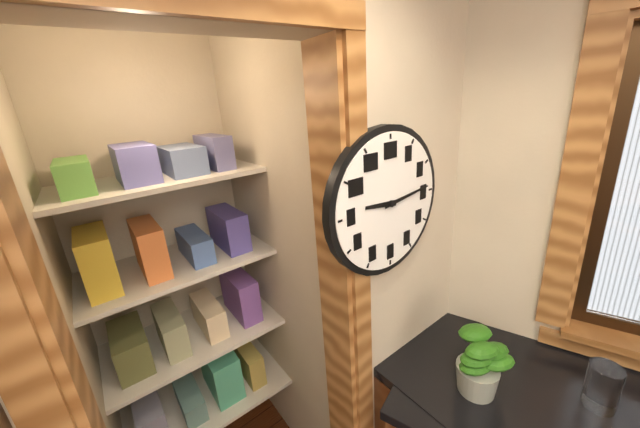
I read h=9 m=14
